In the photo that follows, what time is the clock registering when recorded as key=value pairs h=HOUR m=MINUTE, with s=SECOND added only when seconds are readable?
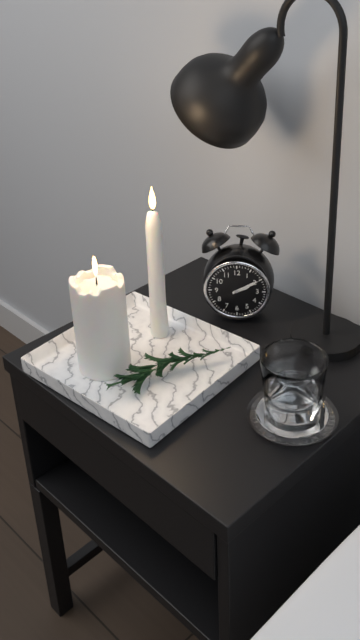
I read h=2 m=10
